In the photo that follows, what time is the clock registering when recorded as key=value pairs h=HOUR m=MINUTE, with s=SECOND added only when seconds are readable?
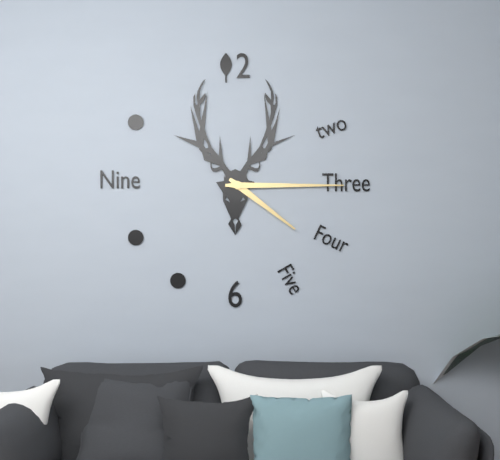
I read h=4 m=15
